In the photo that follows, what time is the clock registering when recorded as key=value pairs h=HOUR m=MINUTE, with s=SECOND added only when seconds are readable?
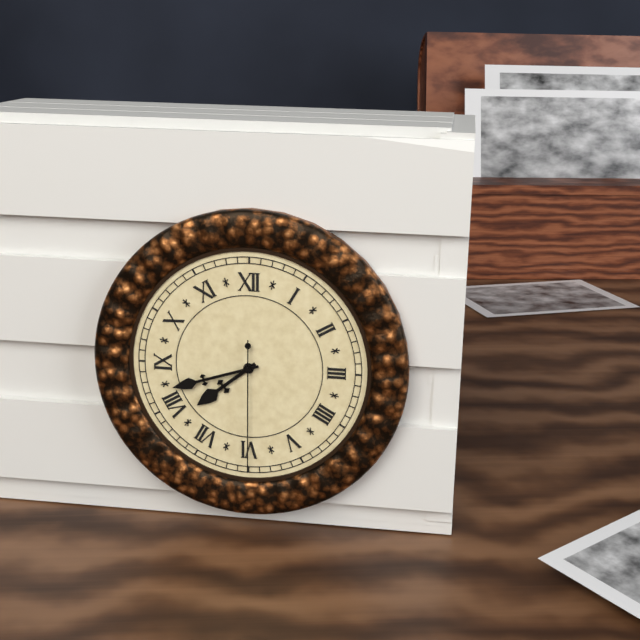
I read h=7 m=42 s=30
